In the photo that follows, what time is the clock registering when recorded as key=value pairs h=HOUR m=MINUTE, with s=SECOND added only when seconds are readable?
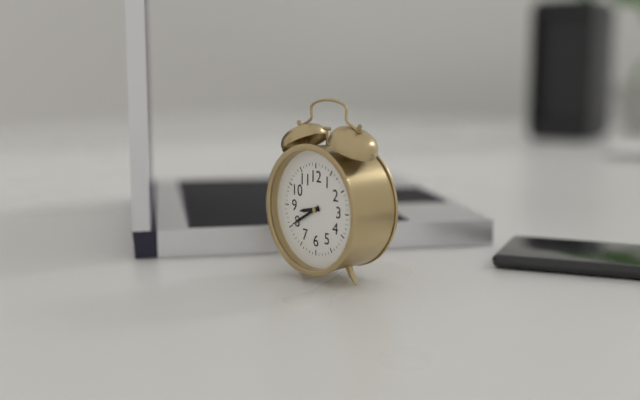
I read h=8 m=40
